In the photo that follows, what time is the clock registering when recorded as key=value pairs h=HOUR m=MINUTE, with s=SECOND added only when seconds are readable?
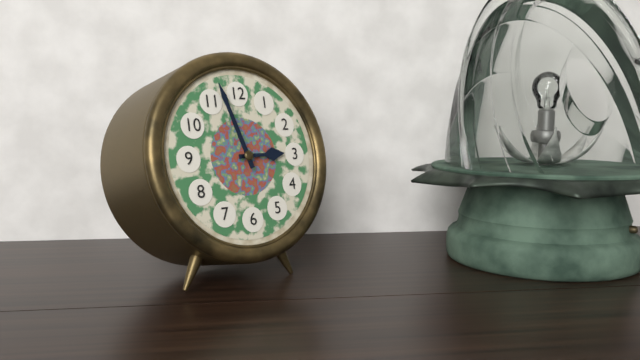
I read h=2 m=57
